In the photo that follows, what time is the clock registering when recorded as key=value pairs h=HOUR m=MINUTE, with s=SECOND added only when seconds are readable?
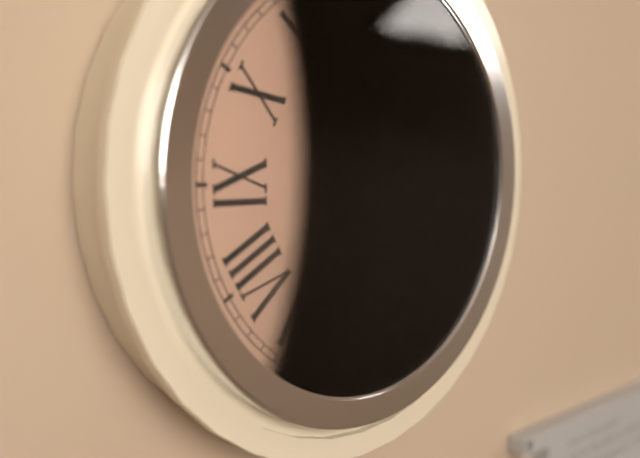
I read h=1 m=34
